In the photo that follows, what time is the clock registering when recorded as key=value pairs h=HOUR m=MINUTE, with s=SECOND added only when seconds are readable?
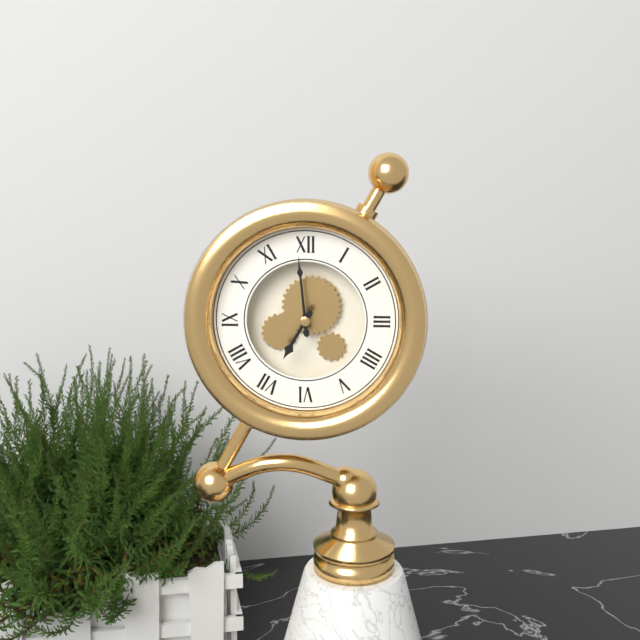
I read h=6 m=59
